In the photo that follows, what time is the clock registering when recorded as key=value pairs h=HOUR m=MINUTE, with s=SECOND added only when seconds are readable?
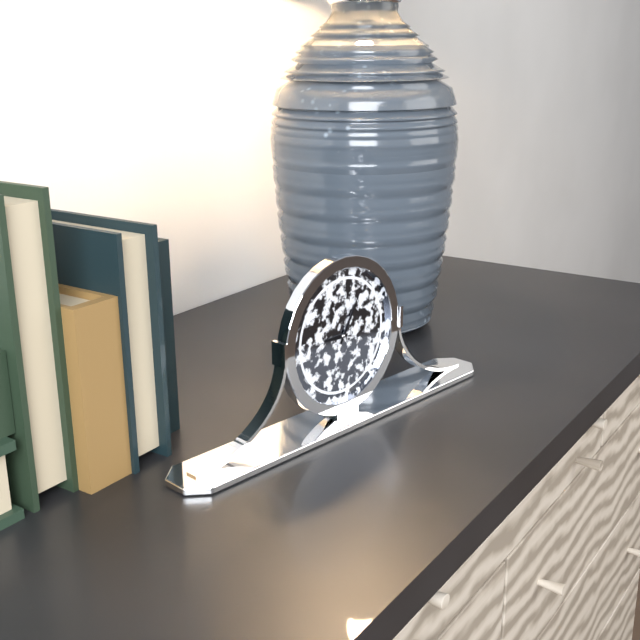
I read h=9 m=5
